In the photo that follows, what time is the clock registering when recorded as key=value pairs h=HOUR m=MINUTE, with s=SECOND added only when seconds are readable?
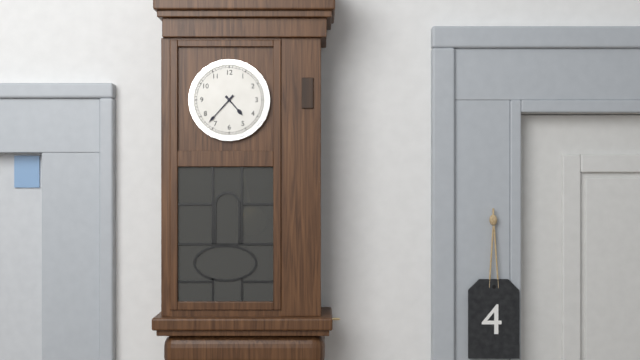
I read h=4 m=37
